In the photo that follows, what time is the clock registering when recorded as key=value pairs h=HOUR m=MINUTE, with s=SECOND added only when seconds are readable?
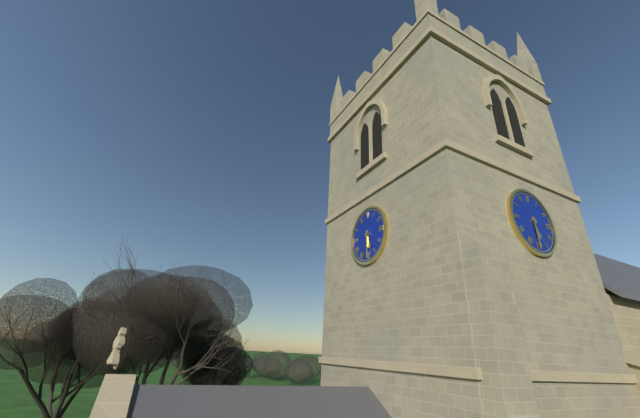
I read h=5 m=30
